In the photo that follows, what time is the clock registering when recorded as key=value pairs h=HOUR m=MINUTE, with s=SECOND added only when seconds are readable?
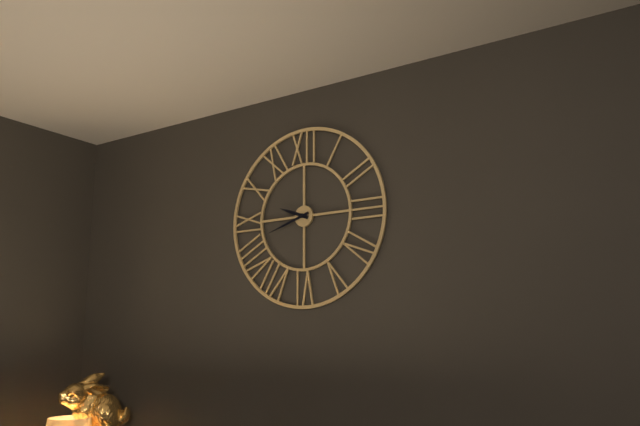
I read h=9 m=42
